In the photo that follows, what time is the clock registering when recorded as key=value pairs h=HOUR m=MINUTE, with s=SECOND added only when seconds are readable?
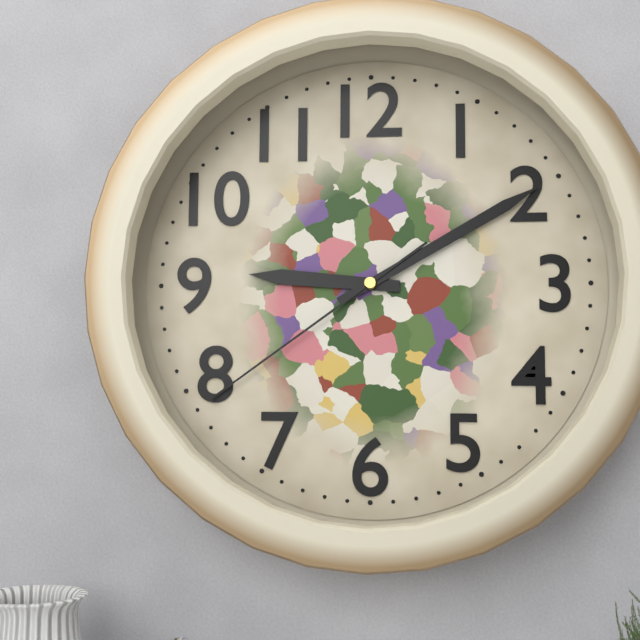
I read h=9 m=10 s=39
